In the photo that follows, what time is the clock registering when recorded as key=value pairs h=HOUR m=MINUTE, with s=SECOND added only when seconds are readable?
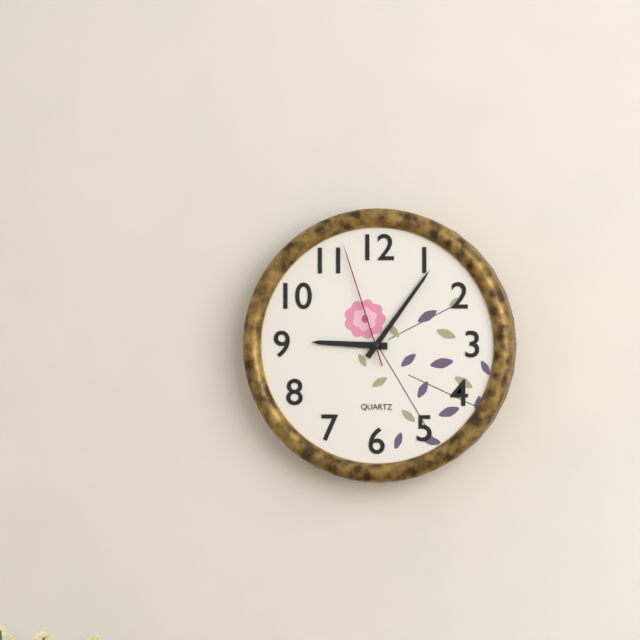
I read h=9 m=6 s=57
